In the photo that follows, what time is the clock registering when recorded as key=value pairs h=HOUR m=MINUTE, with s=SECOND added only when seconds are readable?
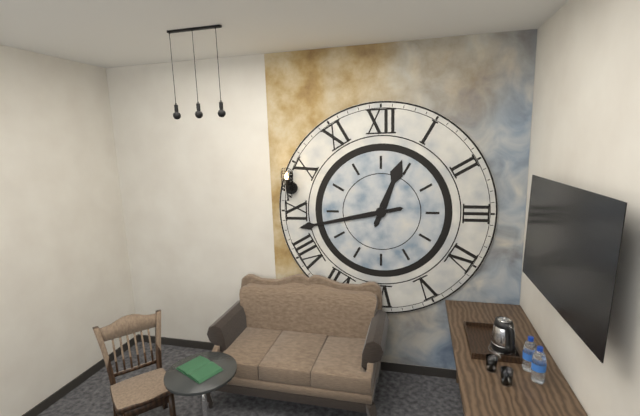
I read h=12 m=43
